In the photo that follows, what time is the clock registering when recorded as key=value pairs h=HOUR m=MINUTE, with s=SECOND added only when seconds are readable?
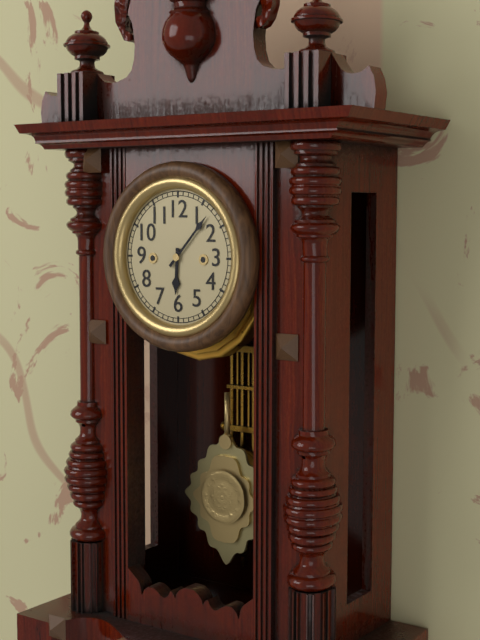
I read h=6 m=7
